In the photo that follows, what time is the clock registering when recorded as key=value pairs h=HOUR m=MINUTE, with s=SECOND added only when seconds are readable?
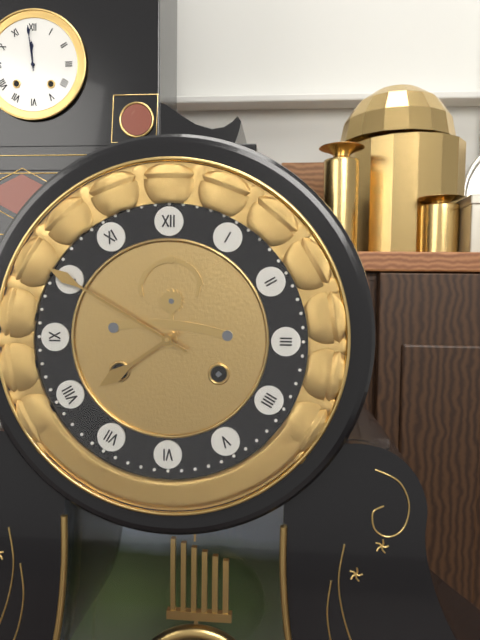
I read h=7 m=50
